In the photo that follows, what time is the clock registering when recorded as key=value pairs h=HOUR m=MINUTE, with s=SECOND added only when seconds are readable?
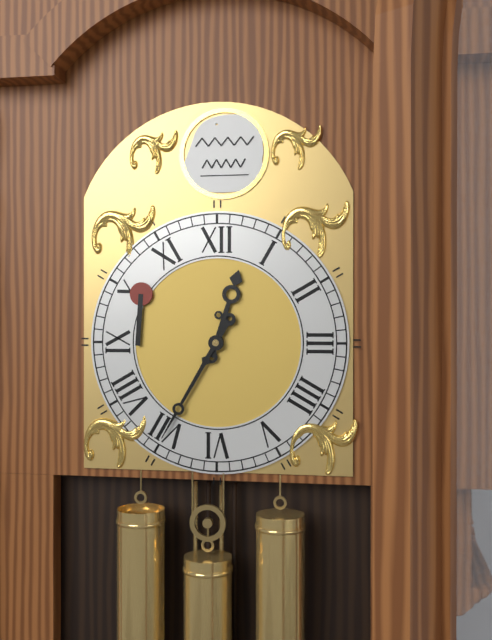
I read h=12 m=35
